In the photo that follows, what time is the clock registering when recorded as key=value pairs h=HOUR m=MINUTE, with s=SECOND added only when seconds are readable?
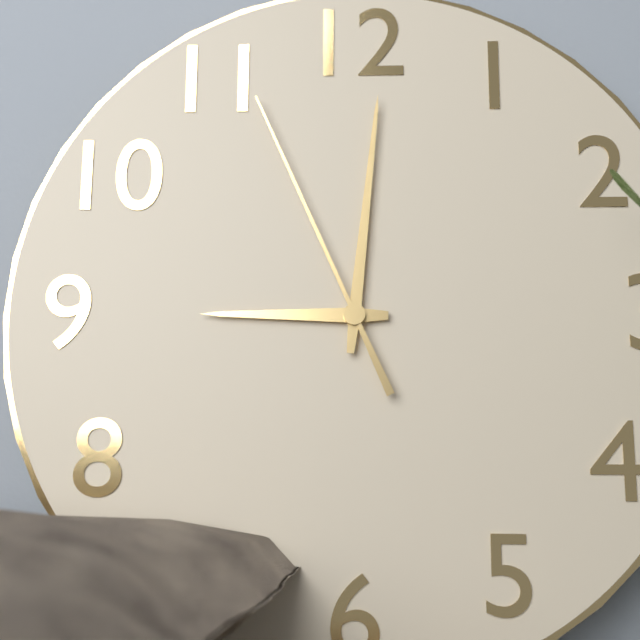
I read h=9 m=1 s=56
